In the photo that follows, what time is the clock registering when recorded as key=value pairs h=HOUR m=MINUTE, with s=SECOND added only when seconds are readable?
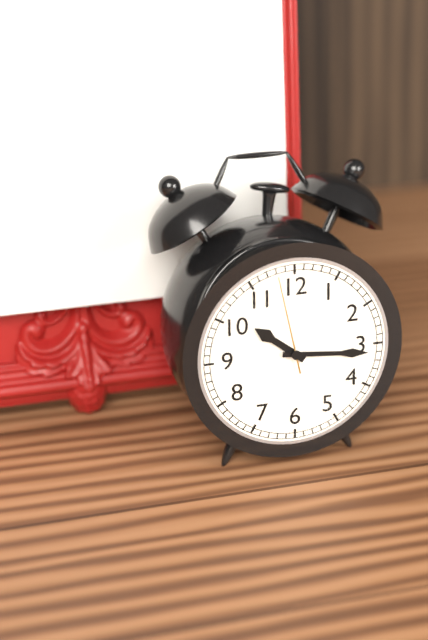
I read h=10 m=16 s=58
